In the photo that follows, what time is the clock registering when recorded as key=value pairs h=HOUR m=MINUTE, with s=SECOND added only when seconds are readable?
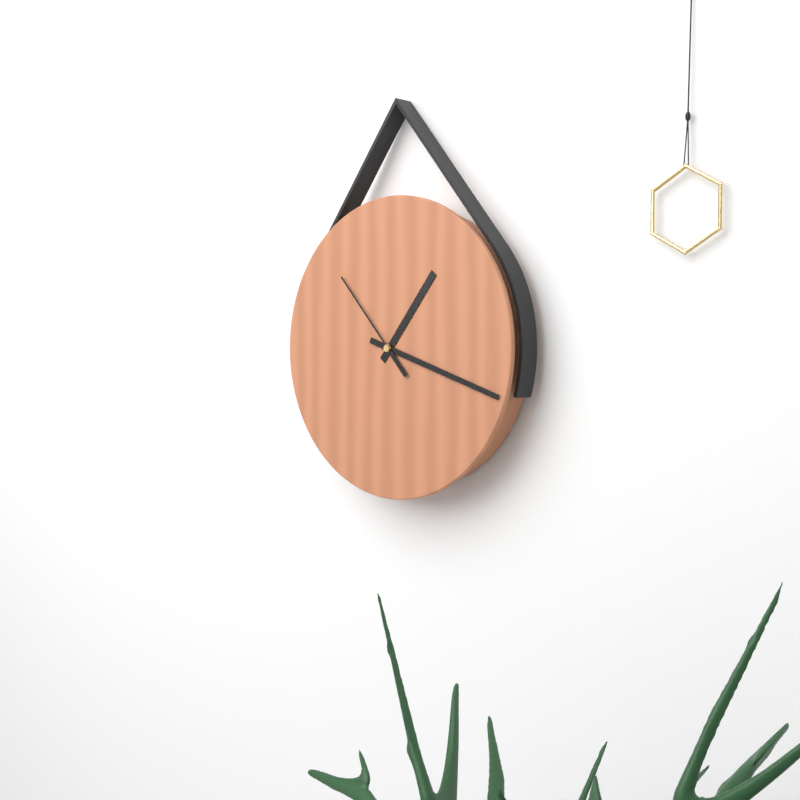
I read h=1 m=18 s=53
